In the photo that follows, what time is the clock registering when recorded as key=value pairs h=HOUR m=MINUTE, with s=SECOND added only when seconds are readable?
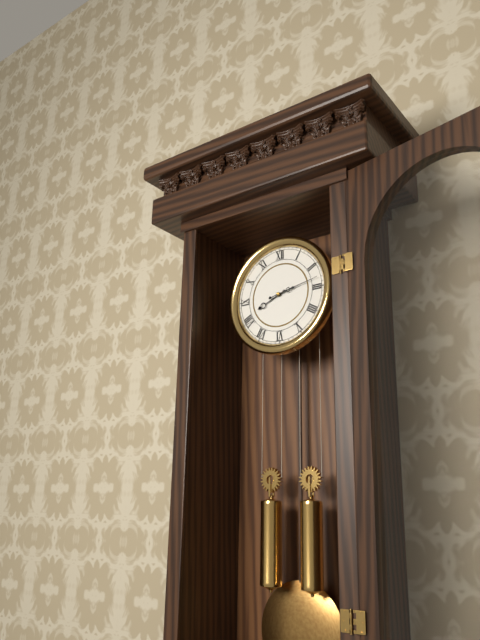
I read h=8 m=13
